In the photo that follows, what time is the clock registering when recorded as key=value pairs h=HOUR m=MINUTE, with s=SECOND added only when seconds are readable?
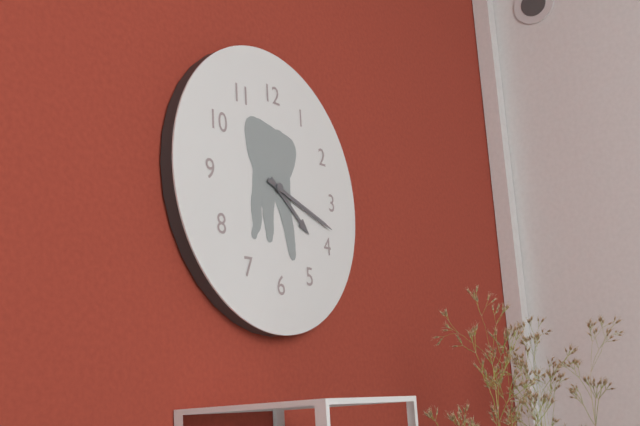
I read h=4 m=18
